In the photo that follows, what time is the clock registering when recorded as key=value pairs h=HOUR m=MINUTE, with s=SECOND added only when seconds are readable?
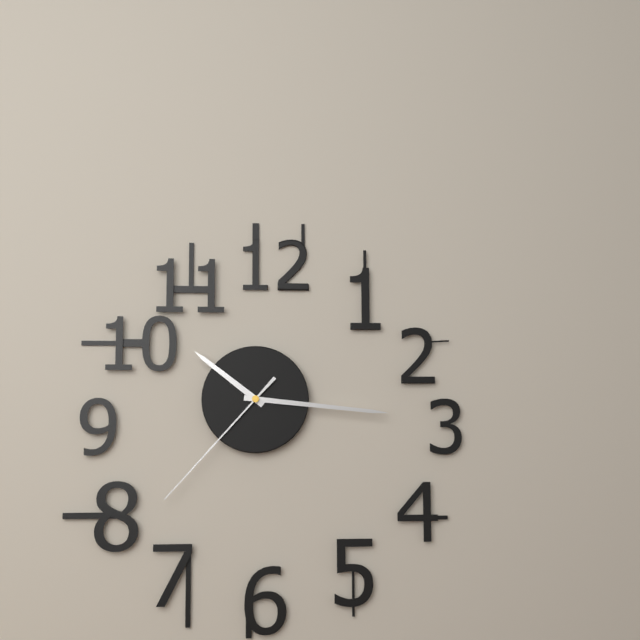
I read h=10 m=16 s=37
